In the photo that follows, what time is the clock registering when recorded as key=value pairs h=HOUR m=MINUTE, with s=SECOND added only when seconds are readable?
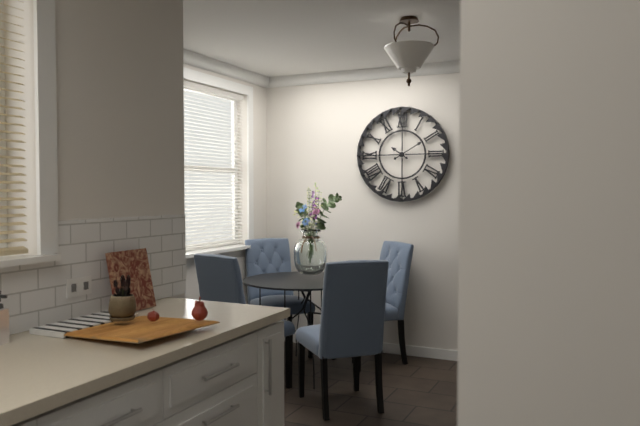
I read h=10 m=10
